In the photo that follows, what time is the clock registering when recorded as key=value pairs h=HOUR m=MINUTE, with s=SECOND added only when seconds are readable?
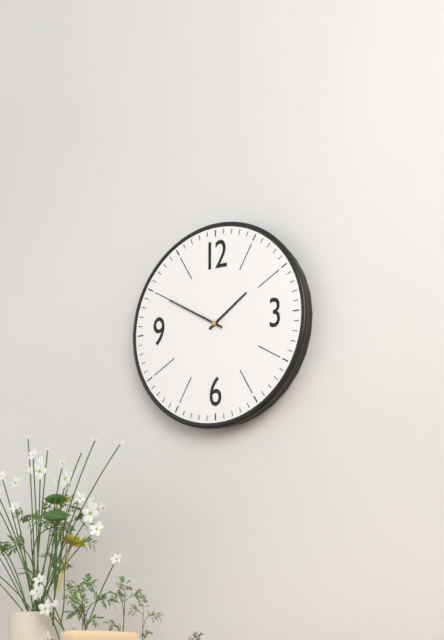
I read h=1 m=50
